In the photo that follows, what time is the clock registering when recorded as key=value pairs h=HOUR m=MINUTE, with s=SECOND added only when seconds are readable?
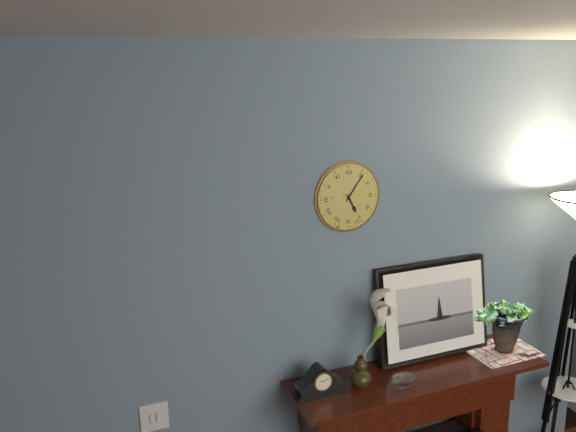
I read h=5 m=6
